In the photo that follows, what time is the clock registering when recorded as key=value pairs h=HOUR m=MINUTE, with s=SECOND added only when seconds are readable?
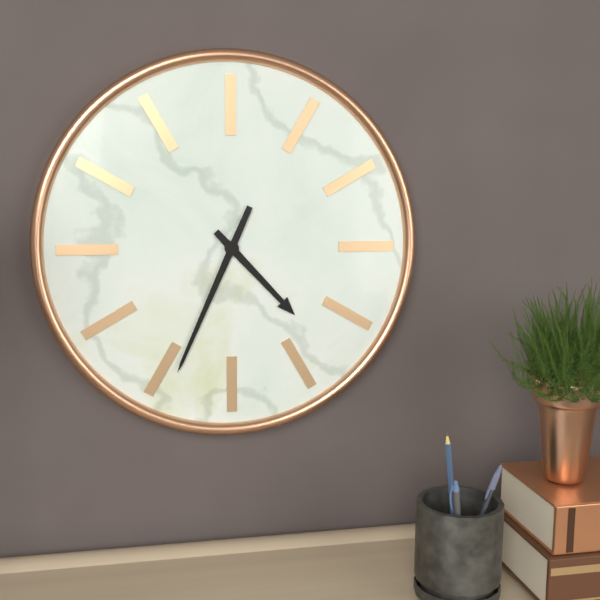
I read h=4 m=34
